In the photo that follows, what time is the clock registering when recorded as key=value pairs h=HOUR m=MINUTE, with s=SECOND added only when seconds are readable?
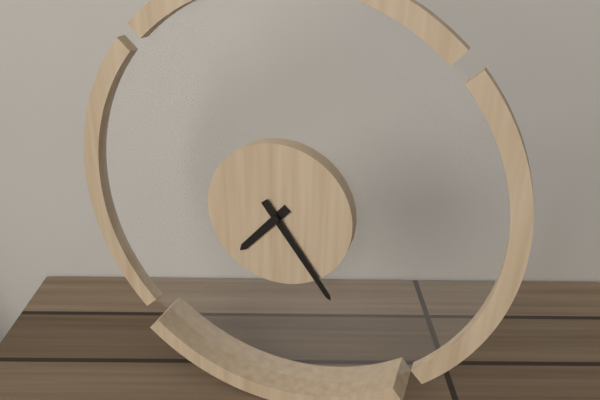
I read h=7 m=24
